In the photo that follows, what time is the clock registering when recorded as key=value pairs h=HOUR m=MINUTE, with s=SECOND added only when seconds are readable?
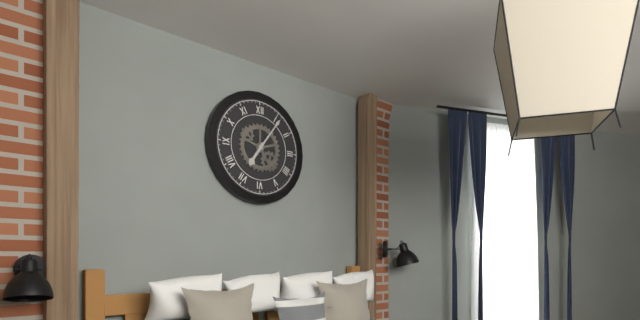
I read h=7 m=6
